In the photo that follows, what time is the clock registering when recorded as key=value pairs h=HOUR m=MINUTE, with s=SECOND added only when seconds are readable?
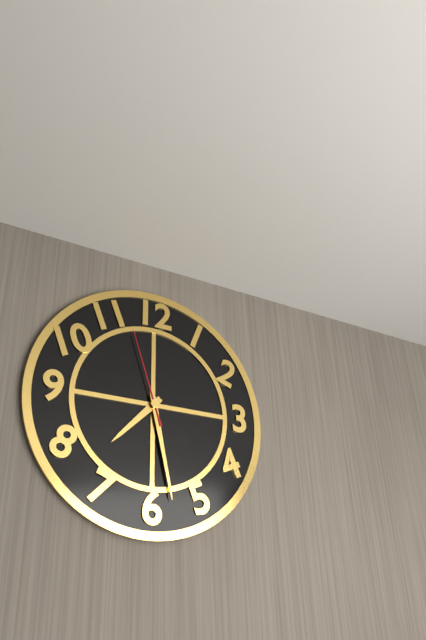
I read h=7 m=28 s=57
